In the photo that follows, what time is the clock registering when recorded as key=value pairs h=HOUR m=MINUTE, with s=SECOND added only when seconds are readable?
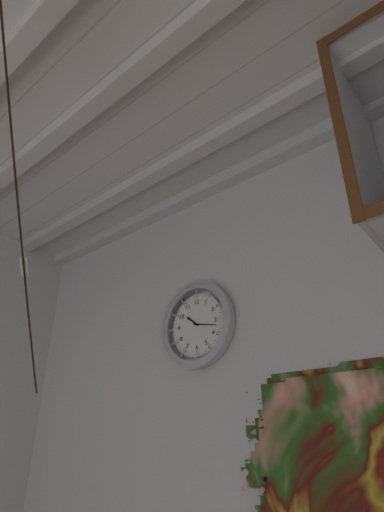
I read h=10 m=17
